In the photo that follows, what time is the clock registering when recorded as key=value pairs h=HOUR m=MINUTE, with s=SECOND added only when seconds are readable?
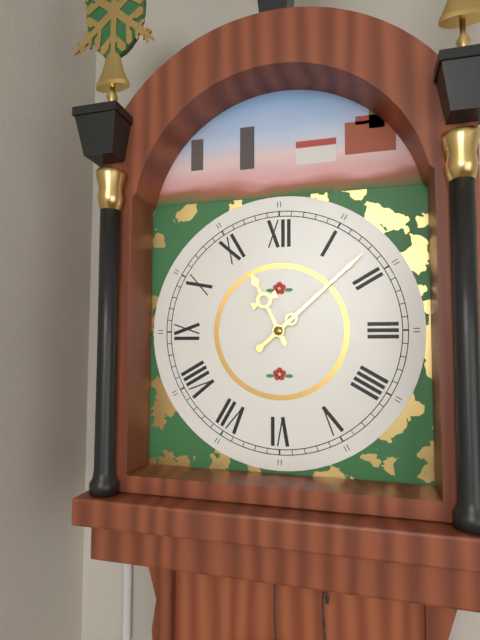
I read h=11 m=8
